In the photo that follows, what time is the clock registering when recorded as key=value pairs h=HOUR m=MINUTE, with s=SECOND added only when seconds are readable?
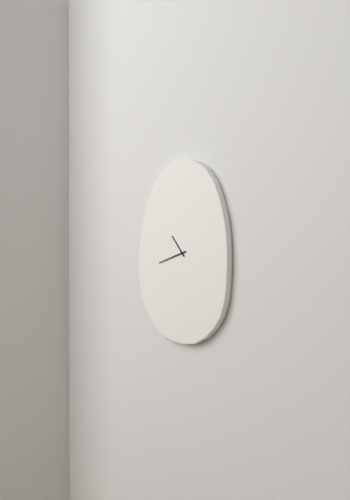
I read h=10 m=42
